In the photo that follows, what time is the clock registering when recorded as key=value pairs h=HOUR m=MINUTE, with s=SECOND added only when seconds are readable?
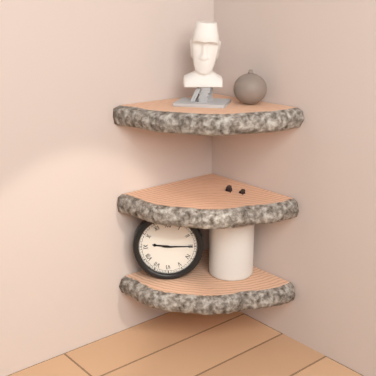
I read h=9 m=15
